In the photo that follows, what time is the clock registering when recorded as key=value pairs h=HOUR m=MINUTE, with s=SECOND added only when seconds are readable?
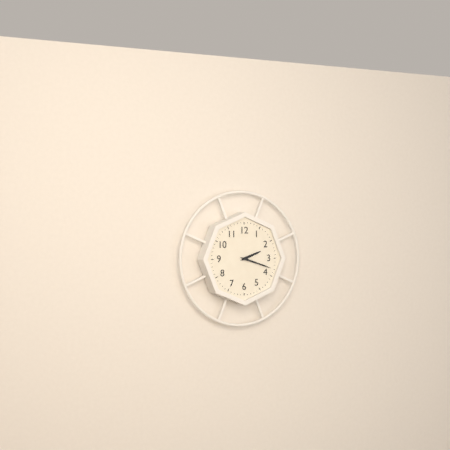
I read h=2 m=18
